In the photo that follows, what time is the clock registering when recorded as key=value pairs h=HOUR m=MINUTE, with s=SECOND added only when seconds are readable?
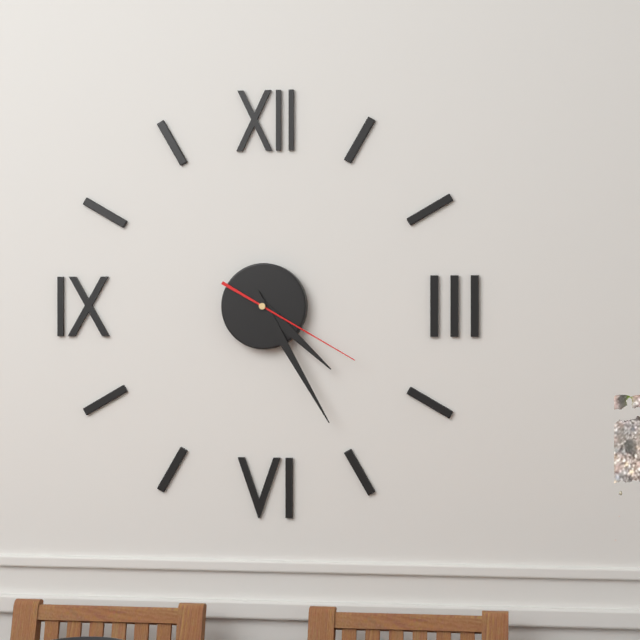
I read h=4 m=25 s=20
